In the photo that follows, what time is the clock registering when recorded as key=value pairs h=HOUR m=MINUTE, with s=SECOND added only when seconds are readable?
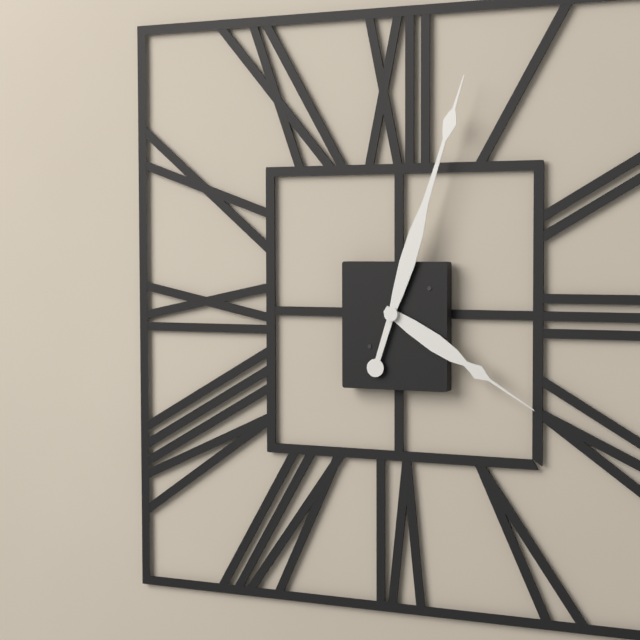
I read h=4 m=3
